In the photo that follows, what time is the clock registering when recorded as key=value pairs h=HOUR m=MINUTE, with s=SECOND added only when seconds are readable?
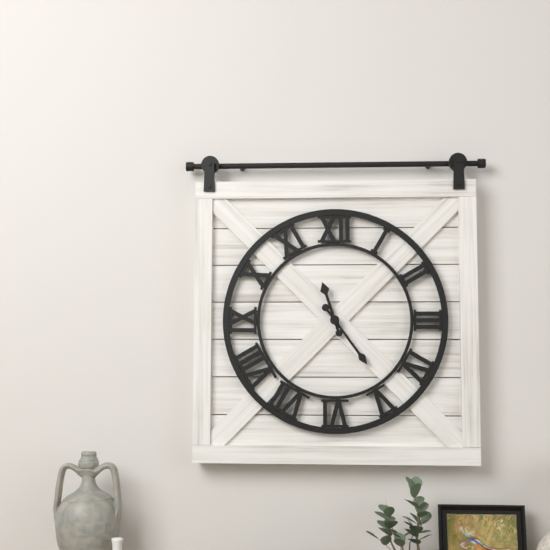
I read h=11 m=24
